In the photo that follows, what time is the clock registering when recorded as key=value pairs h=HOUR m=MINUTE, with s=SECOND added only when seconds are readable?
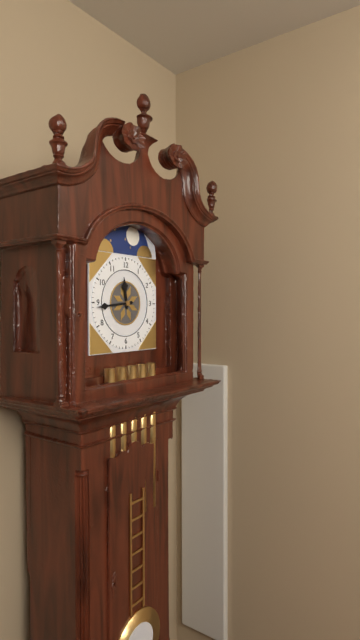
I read h=11 m=44
